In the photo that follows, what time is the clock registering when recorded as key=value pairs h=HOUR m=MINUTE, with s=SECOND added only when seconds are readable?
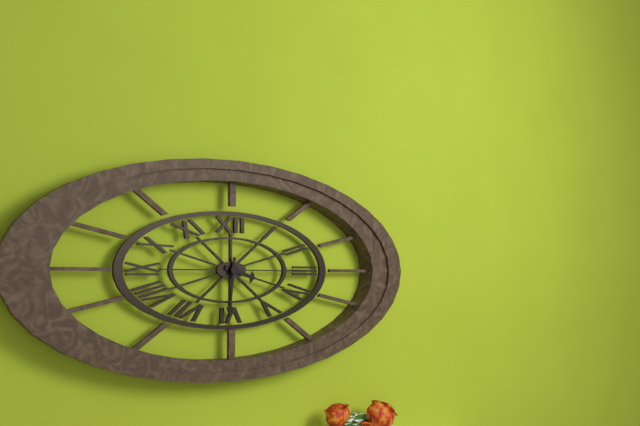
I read h=3 m=31
